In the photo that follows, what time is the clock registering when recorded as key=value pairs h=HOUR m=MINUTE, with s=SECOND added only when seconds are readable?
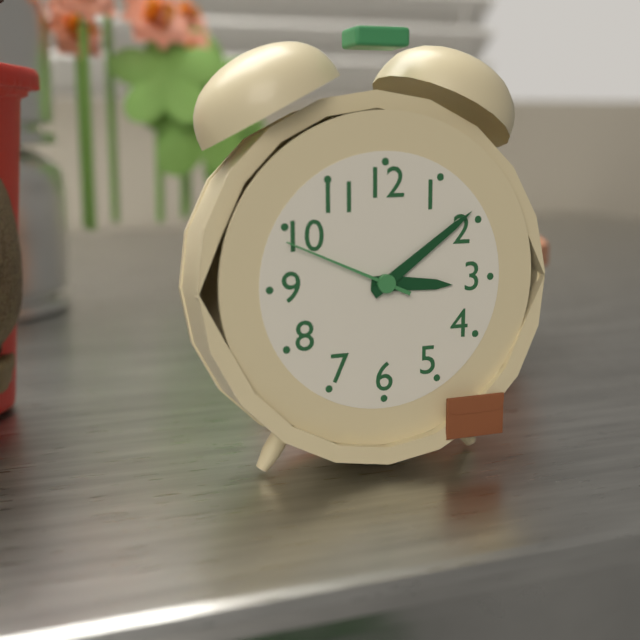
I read h=3 m=9 s=49
